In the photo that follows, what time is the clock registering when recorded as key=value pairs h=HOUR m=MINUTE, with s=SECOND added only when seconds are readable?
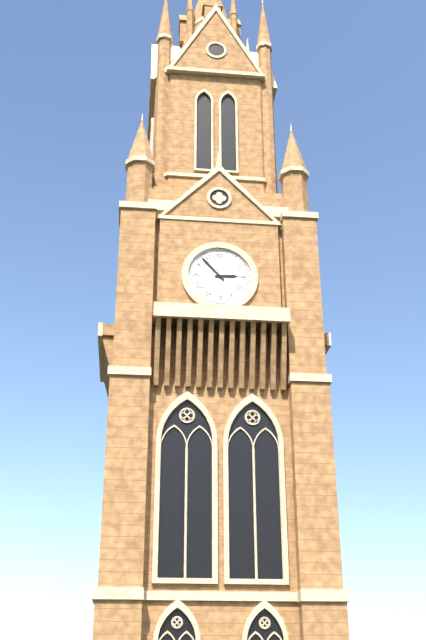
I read h=2 m=53
